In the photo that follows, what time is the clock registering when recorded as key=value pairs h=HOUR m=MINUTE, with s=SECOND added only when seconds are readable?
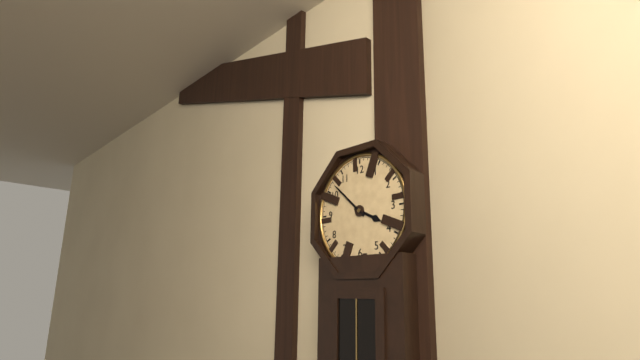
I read h=3 m=52
